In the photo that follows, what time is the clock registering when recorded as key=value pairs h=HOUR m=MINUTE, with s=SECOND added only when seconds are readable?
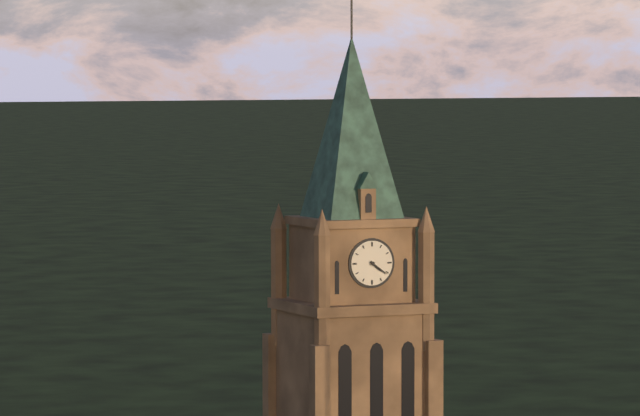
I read h=4 m=21
